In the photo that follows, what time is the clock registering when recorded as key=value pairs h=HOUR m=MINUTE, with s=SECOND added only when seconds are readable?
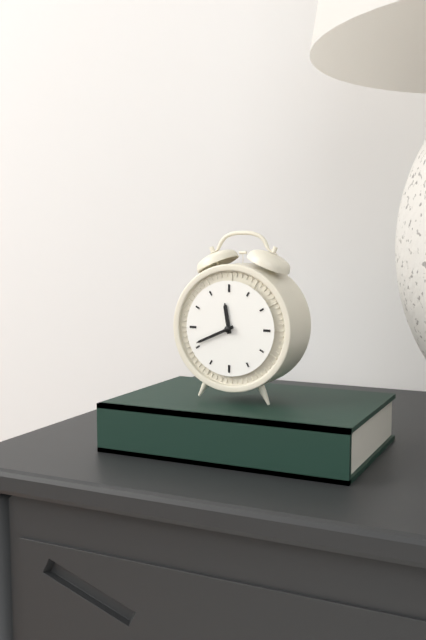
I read h=11 m=41
